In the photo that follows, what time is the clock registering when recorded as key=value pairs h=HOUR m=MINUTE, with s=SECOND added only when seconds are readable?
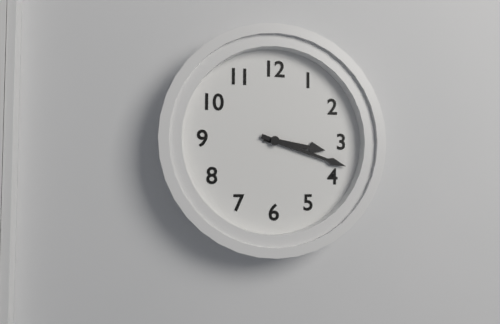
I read h=3 m=18
